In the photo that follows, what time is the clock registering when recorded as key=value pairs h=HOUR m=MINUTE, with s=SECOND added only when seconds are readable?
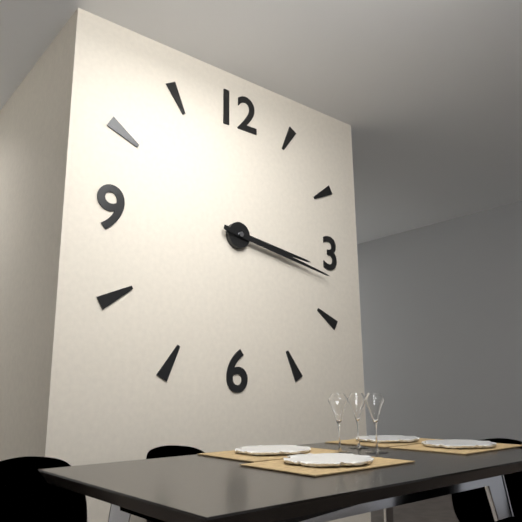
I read h=3 m=17
